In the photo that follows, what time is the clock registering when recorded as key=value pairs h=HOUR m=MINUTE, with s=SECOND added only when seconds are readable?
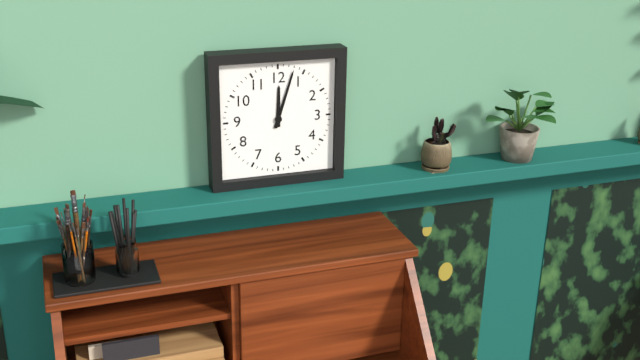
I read h=12 m=3
